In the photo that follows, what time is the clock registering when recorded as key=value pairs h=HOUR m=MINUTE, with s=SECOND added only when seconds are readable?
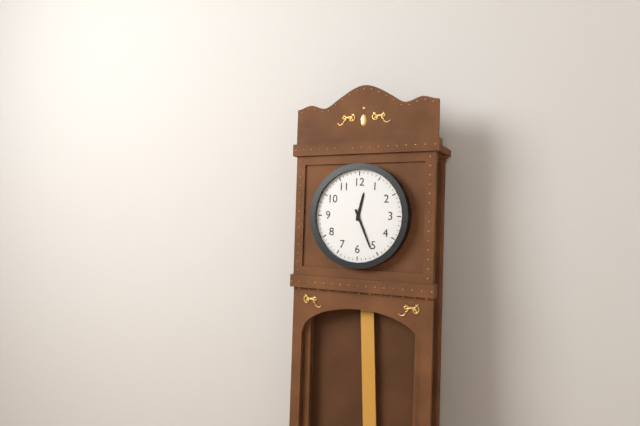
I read h=12 m=26
